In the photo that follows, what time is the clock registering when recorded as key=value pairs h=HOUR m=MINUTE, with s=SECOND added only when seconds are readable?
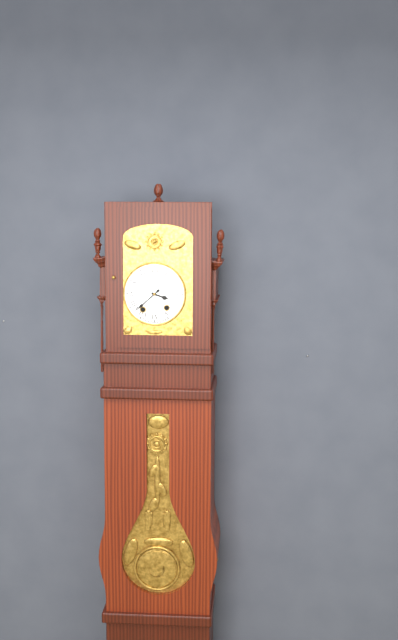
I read h=3 m=38
